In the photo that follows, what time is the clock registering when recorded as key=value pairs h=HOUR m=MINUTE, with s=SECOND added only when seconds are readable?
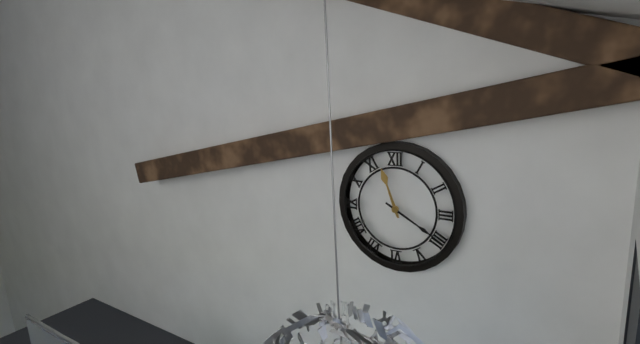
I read h=11 m=20
